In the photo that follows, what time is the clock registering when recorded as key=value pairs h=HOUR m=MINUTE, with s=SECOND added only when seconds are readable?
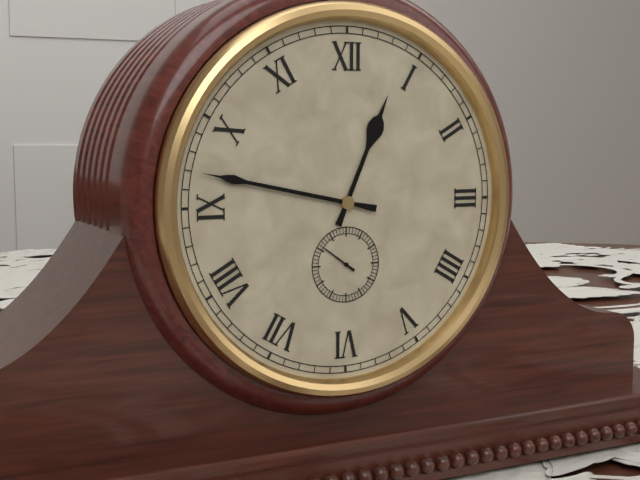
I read h=12 m=47
